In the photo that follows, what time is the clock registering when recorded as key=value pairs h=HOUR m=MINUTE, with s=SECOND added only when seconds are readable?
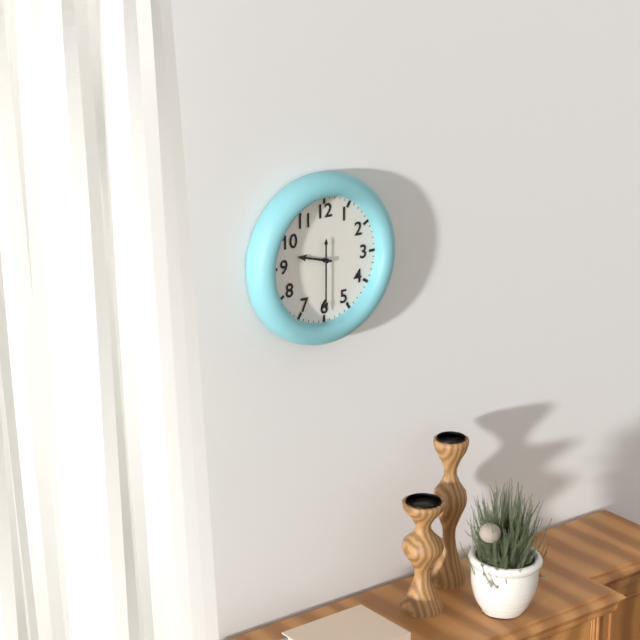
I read h=9 m=30
